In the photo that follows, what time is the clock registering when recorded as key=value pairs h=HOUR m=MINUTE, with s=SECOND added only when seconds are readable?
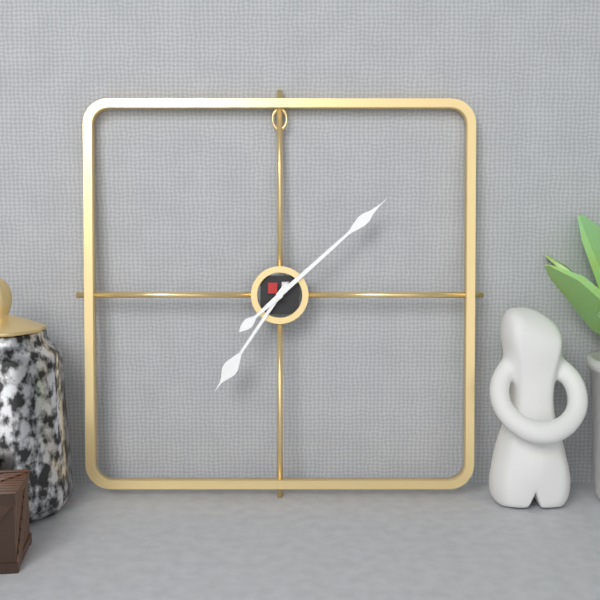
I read h=7 m=8
